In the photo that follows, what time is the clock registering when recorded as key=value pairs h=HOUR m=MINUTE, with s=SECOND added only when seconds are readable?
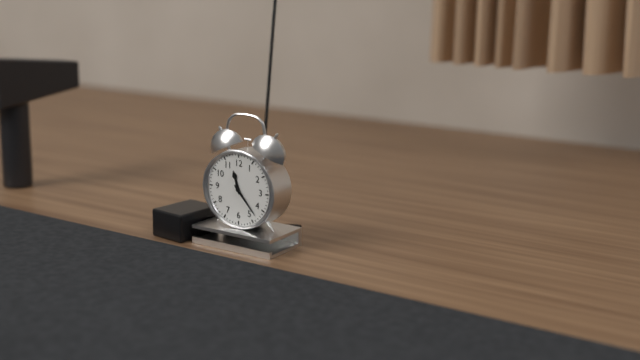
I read h=11 m=23
